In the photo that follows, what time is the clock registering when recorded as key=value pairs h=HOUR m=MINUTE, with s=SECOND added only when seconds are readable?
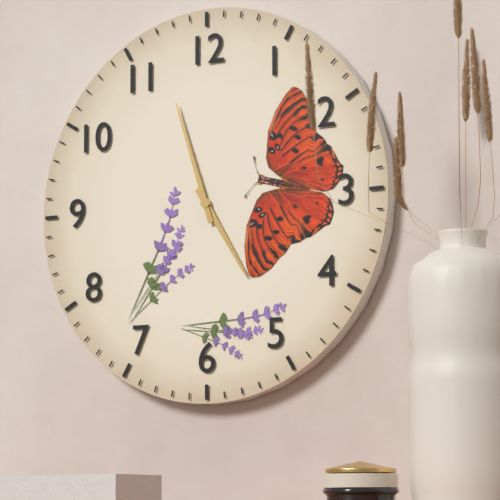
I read h=4 m=57
